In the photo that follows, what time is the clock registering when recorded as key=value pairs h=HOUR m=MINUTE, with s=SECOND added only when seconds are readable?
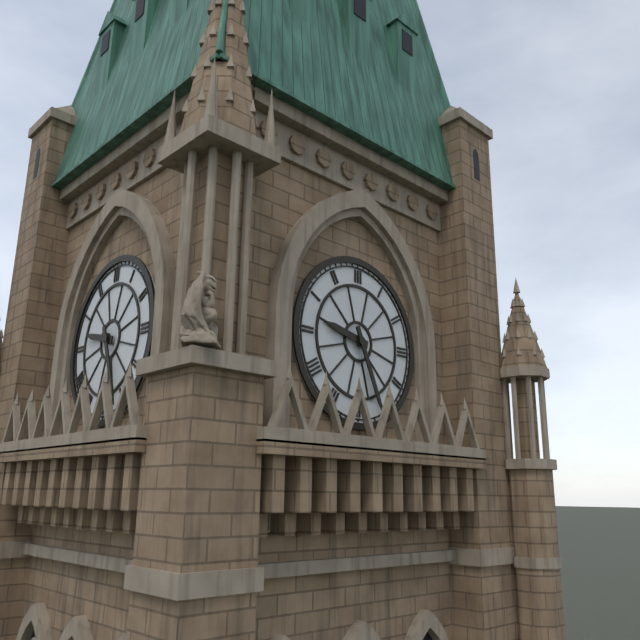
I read h=9 m=26
